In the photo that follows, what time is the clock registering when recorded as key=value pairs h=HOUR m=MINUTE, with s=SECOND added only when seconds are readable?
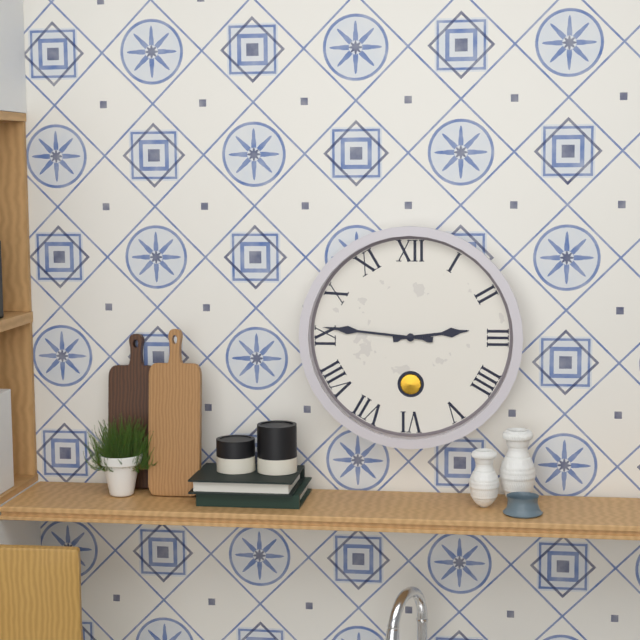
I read h=2 m=46
